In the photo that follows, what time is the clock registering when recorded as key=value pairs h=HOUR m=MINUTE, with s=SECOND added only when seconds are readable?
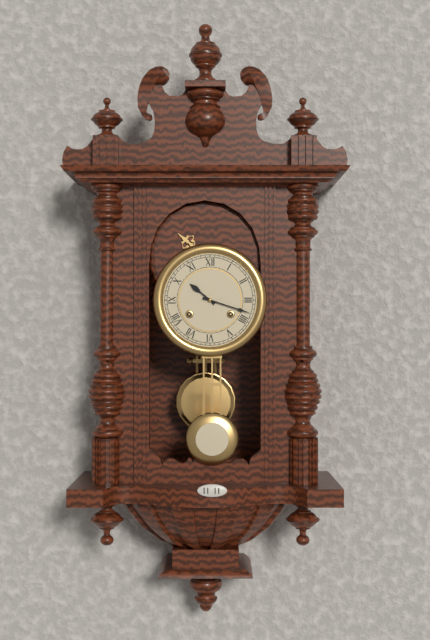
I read h=10 m=18
